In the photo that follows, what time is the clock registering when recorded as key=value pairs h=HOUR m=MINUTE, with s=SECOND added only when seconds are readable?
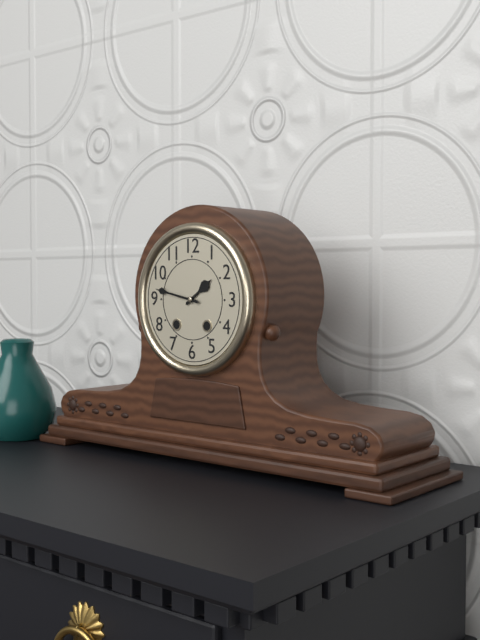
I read h=1 m=47
